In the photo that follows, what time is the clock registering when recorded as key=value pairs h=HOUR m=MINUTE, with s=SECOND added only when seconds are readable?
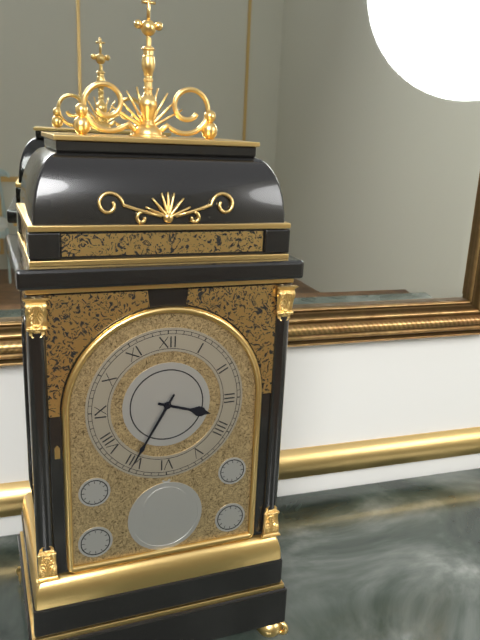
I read h=3 m=35
